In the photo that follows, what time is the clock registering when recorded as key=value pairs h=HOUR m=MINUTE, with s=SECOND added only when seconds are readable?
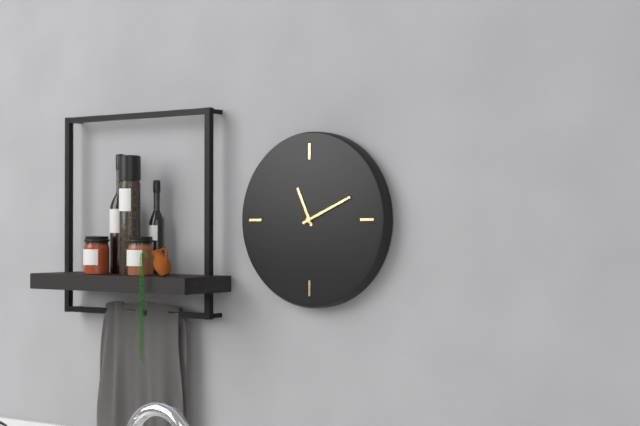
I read h=11 m=11
